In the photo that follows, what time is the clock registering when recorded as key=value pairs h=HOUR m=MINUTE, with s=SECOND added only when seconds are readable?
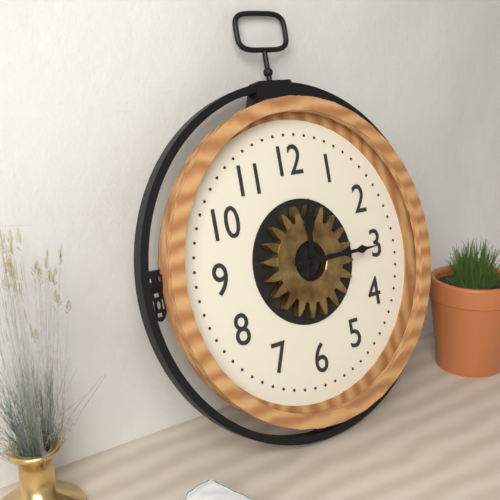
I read h=12 m=15
